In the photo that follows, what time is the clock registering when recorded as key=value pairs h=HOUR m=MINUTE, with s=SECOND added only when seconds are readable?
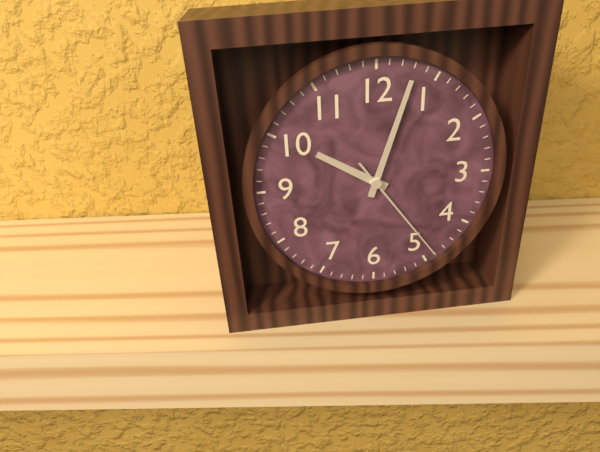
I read h=10 m=3 s=24
